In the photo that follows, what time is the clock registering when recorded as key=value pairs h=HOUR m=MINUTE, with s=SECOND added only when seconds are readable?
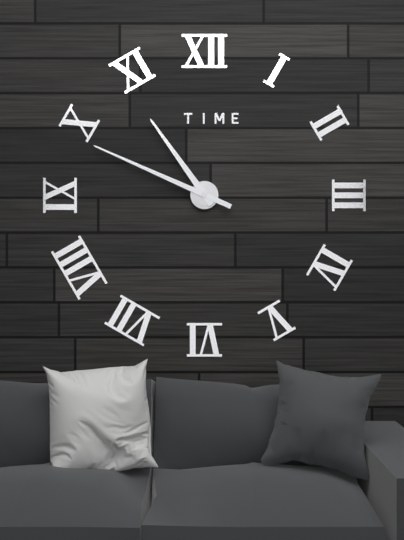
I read h=10 m=49
